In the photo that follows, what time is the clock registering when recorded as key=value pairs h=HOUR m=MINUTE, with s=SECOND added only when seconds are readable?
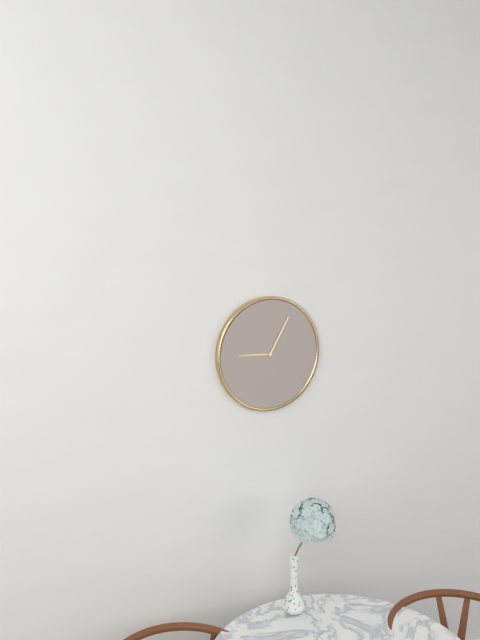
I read h=9 m=5
